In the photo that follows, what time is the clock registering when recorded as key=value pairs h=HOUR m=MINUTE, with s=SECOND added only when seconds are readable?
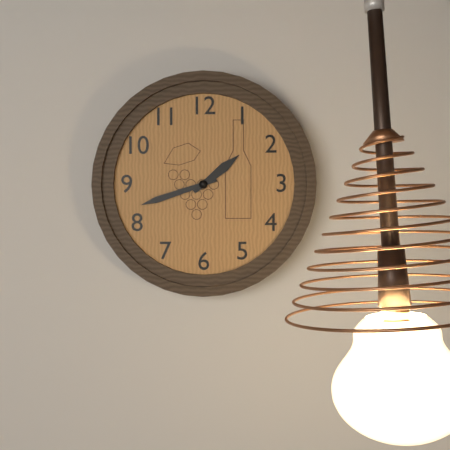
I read h=1 m=42
